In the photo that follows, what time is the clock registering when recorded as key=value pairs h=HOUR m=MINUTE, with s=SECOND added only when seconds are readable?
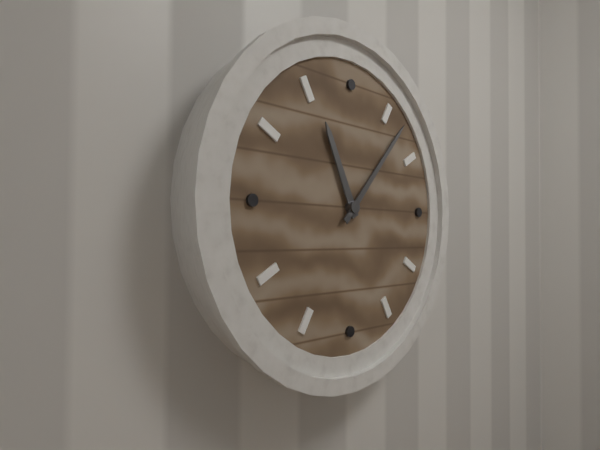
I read h=11 m=7
